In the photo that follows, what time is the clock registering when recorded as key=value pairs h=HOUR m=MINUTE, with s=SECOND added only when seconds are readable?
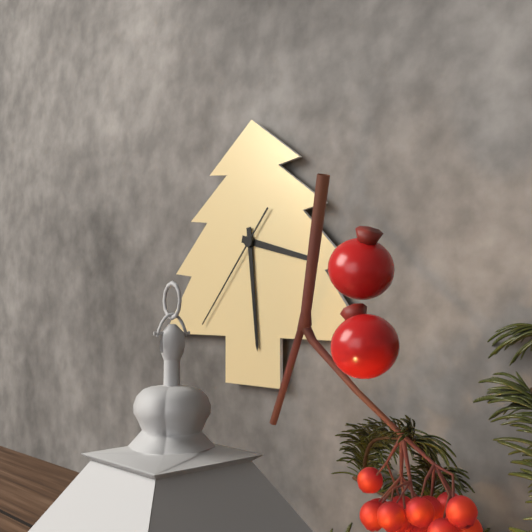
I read h=3 m=29 s=37
